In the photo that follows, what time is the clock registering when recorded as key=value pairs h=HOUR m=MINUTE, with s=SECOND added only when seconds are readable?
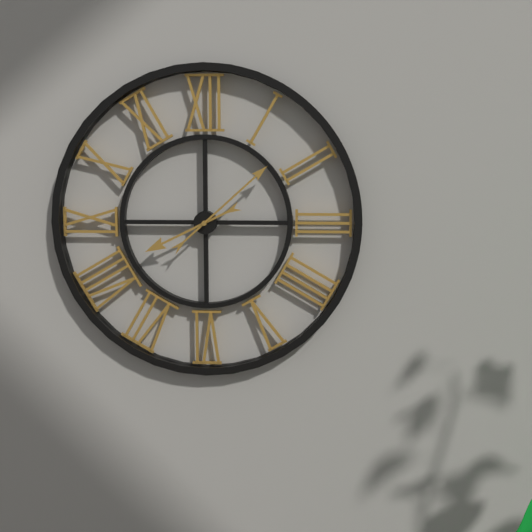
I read h=8 m=8
